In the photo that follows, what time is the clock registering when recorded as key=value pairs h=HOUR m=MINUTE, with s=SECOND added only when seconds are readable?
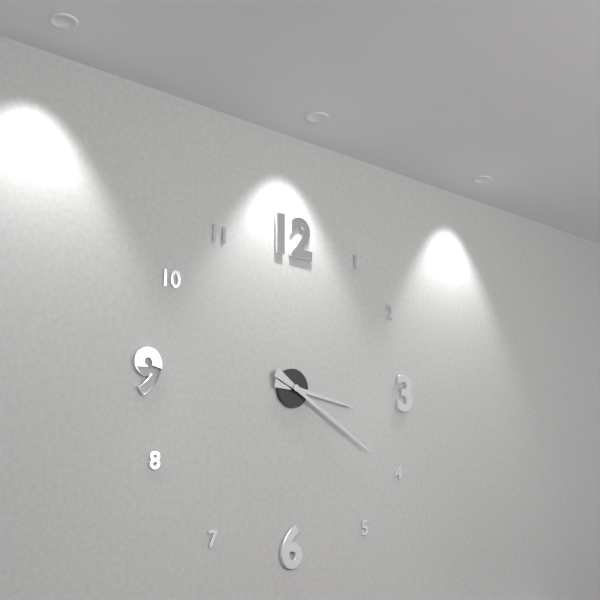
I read h=3 m=20
